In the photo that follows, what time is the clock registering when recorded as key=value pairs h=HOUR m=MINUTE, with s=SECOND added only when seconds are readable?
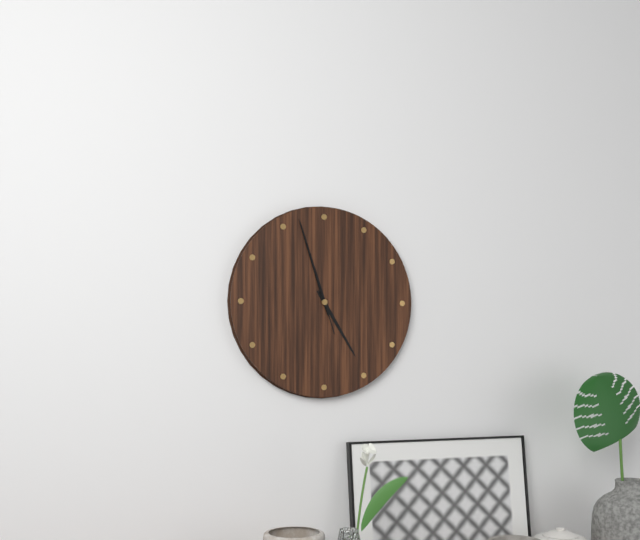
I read h=4 m=57 s=57
